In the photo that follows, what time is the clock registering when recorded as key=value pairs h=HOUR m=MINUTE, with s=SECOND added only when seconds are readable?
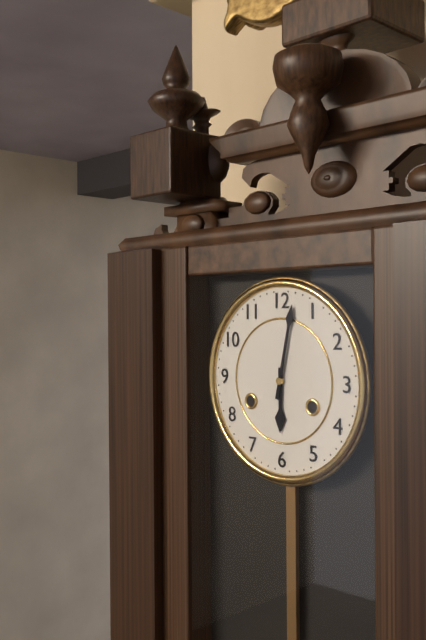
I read h=6 m=2
